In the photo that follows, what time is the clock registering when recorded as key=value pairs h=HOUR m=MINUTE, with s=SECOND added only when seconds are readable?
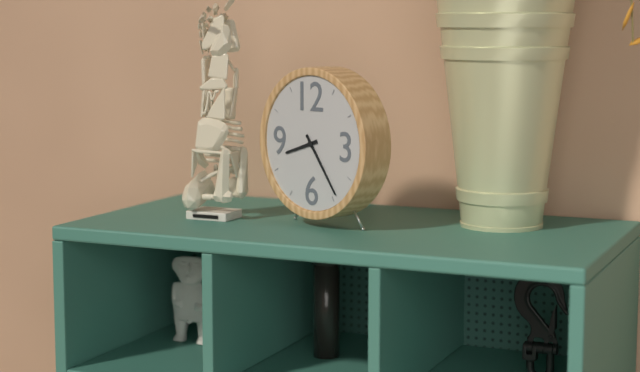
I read h=8 m=24
